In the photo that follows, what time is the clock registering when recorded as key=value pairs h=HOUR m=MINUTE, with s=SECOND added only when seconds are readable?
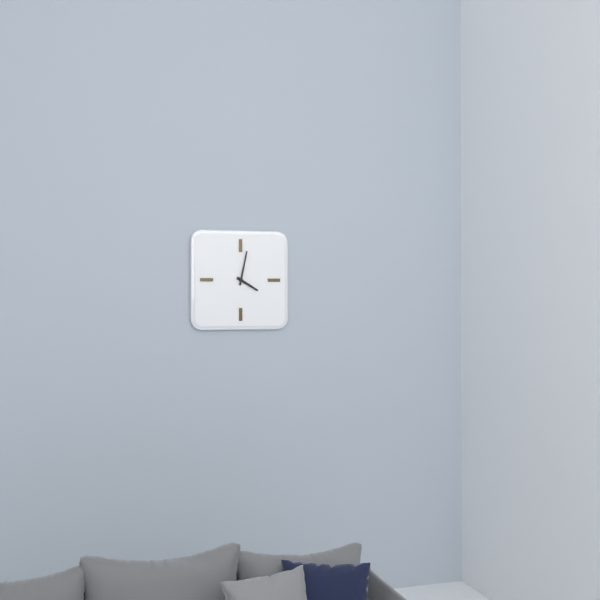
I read h=4 m=2
